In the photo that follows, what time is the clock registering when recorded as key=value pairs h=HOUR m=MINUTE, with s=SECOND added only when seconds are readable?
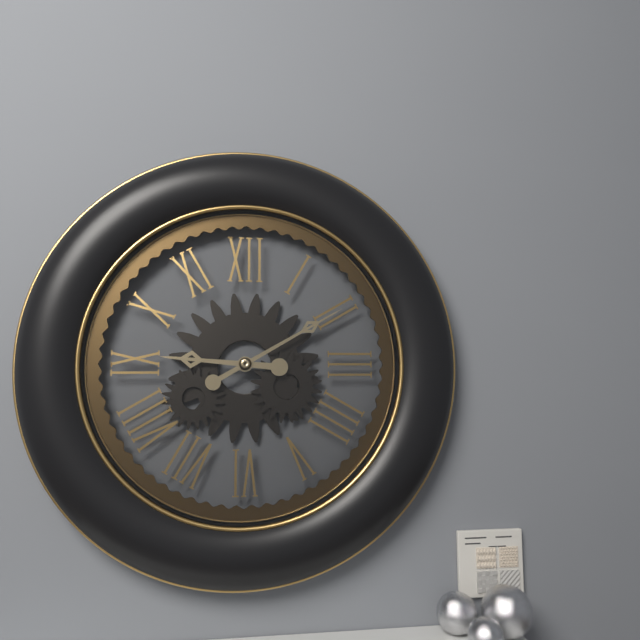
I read h=9 m=10
